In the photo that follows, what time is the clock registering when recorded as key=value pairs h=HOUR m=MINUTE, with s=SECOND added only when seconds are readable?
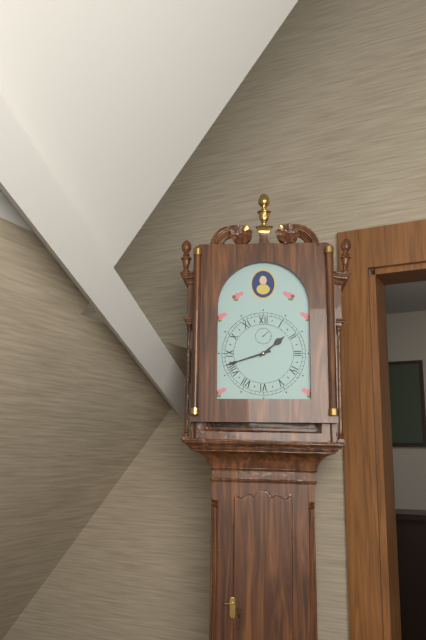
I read h=1 m=42
